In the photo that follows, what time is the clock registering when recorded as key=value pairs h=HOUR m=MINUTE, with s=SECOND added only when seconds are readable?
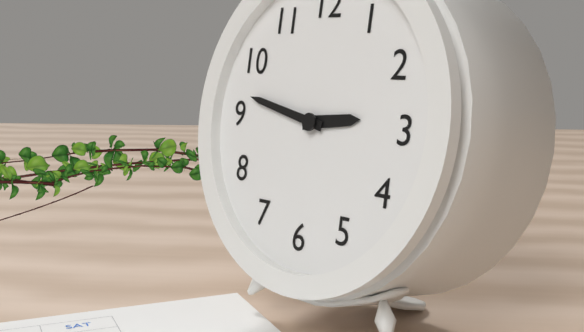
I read h=2 m=47
